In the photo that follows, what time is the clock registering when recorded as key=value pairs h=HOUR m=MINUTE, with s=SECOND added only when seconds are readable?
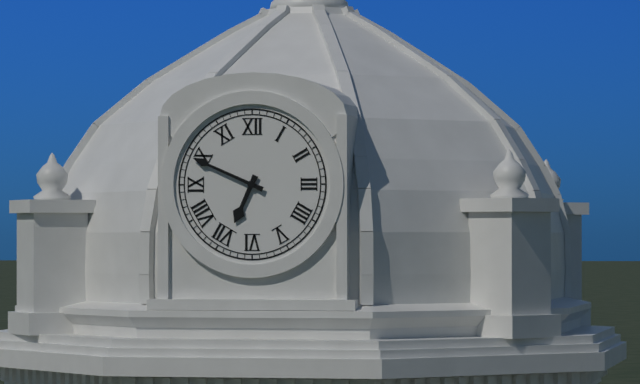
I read h=6 m=49
